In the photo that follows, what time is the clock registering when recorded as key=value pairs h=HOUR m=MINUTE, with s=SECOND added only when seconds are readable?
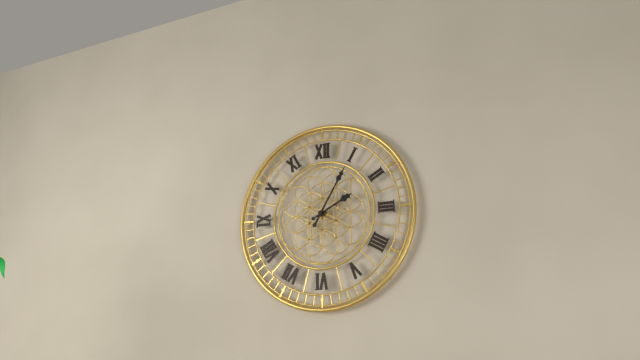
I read h=2 m=5
